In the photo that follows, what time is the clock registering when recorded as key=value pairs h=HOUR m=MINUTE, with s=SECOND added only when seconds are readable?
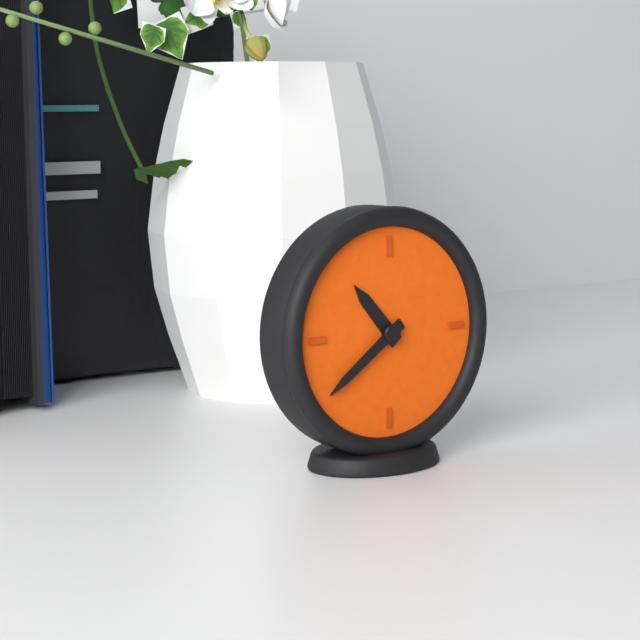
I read h=10 m=39
